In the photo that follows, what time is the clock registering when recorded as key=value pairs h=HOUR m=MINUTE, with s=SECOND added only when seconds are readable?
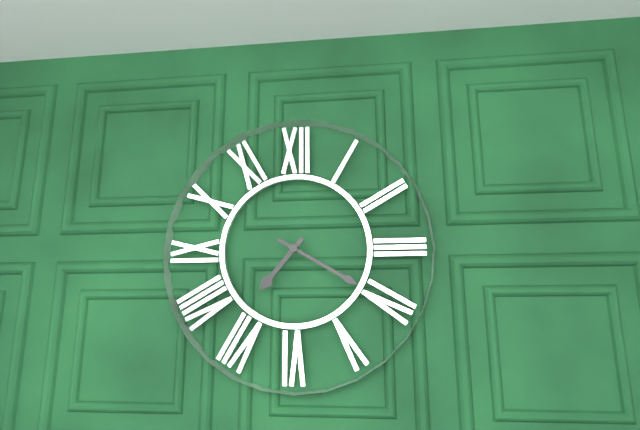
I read h=7 m=20
